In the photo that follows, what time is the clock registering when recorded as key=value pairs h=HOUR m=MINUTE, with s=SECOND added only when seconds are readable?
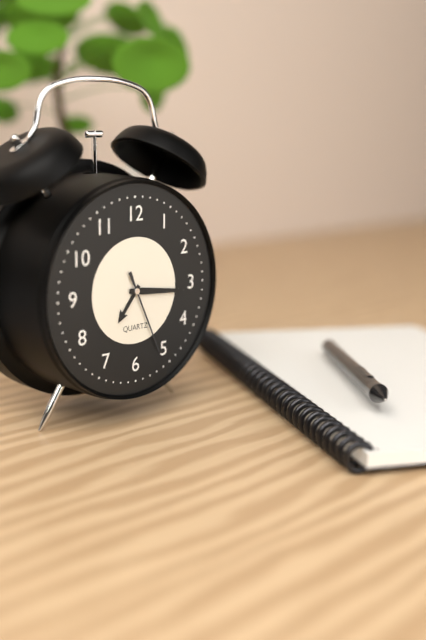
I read h=7 m=16 s=26
